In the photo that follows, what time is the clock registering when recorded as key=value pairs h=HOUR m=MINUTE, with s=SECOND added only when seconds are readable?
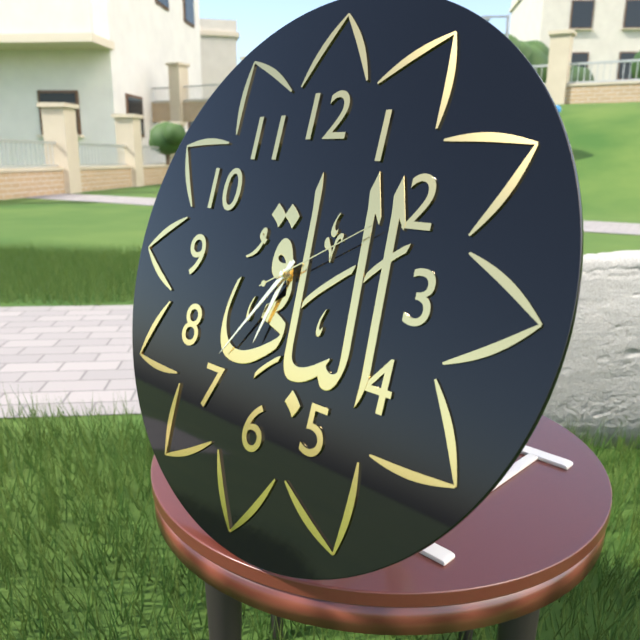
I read h=6 m=36 s=10
